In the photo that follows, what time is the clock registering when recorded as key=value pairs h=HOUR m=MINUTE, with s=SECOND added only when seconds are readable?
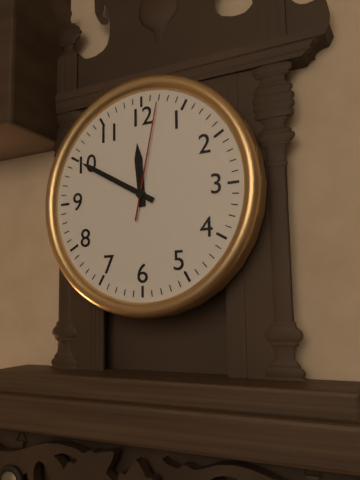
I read h=11 m=50 s=2
